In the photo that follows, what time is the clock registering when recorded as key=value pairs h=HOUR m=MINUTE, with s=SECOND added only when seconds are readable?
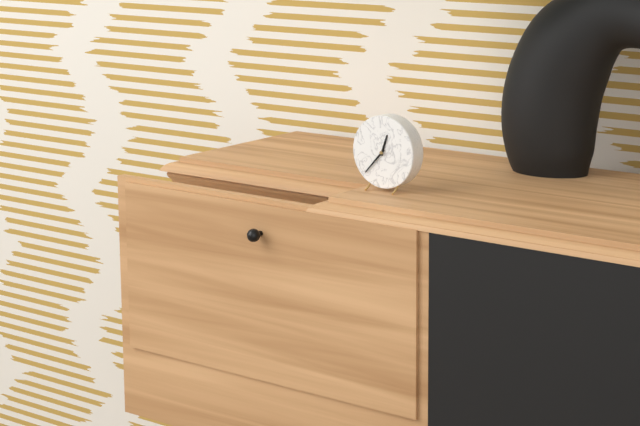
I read h=12 m=37
